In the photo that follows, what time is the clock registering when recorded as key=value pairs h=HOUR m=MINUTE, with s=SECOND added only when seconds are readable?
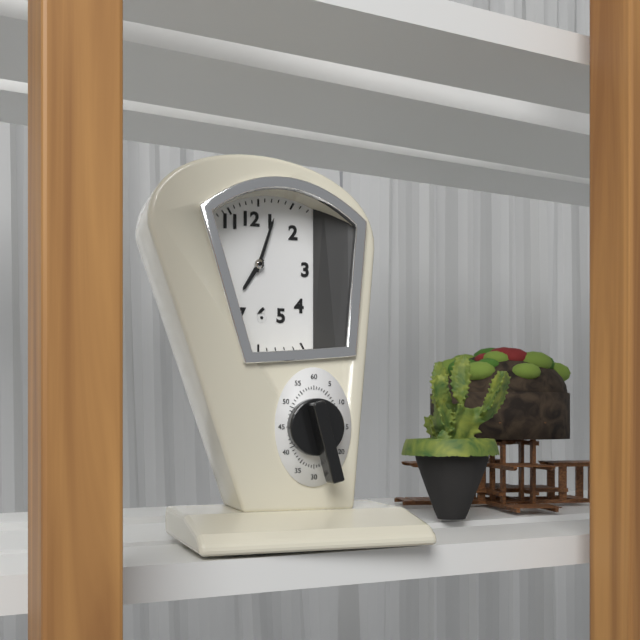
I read h=7 m=3
